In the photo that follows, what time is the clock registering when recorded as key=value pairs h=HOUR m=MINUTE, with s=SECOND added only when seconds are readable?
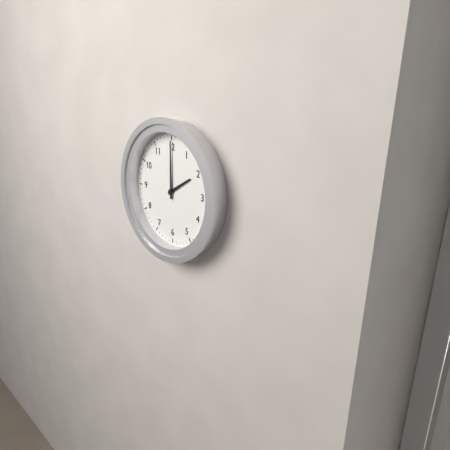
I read h=2 m=0
